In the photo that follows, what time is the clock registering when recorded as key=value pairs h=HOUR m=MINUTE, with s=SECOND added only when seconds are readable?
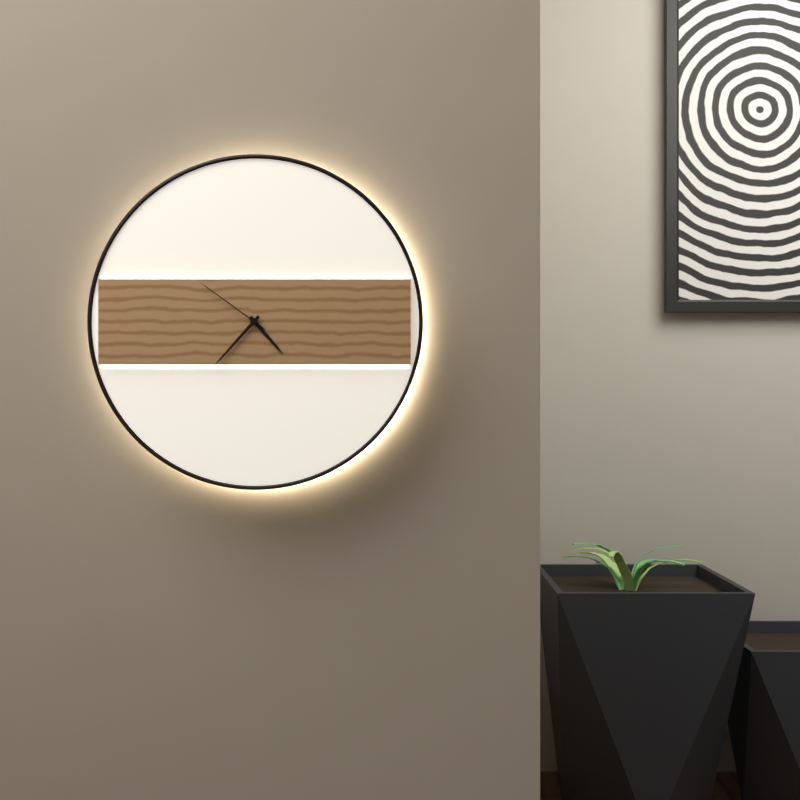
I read h=4 m=37 s=51
